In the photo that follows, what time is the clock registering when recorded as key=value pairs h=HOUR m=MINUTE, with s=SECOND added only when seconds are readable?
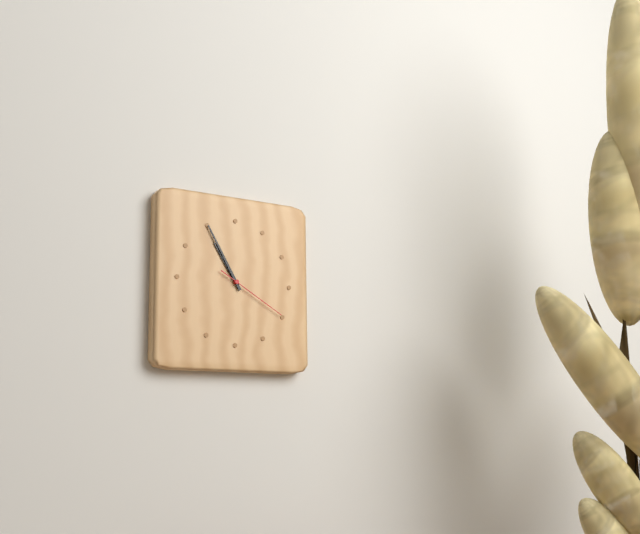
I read h=10 m=55 s=20
